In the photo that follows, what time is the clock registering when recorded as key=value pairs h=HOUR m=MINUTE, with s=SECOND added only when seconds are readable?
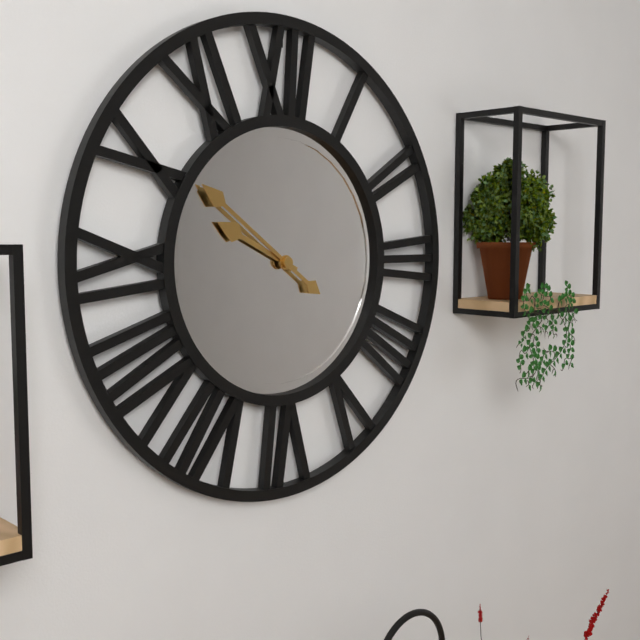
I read h=9 m=51
